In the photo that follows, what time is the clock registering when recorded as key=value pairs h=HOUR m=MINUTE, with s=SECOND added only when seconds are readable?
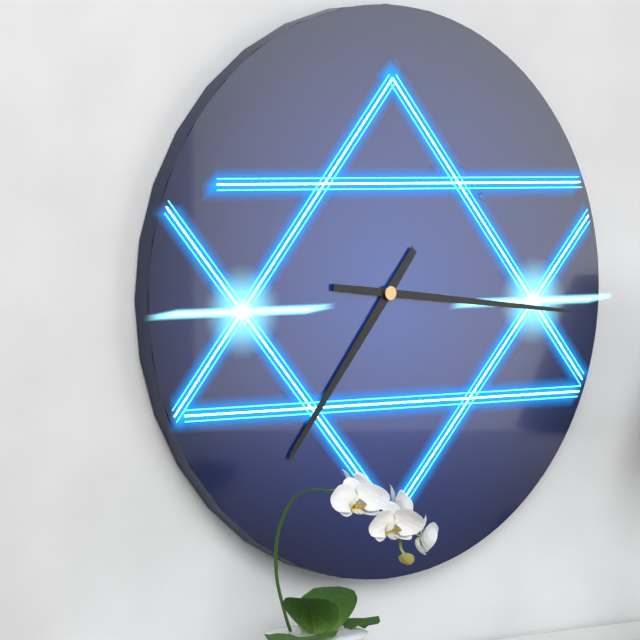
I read h=7 m=16
